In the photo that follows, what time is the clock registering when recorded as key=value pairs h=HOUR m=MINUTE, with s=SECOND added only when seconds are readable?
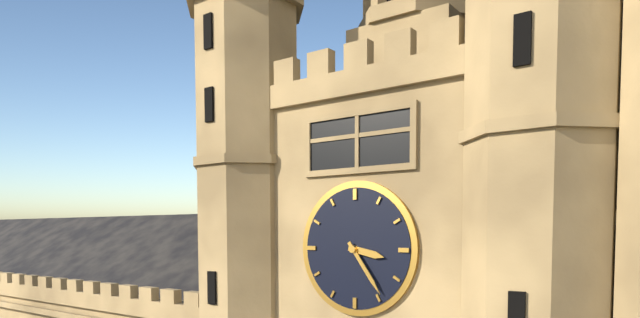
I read h=3 m=24
